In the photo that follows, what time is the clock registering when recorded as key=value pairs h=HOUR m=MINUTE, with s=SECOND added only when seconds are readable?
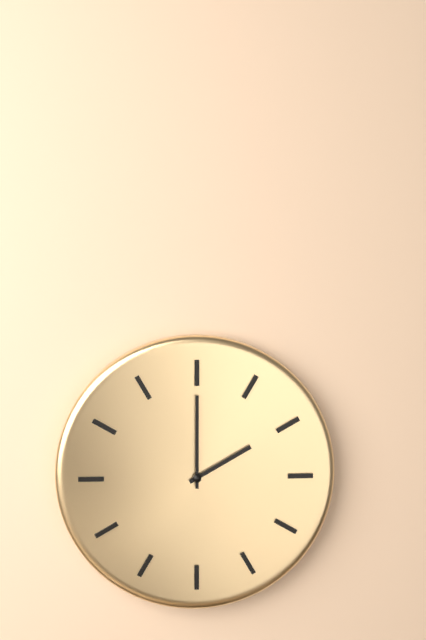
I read h=2 m=0
